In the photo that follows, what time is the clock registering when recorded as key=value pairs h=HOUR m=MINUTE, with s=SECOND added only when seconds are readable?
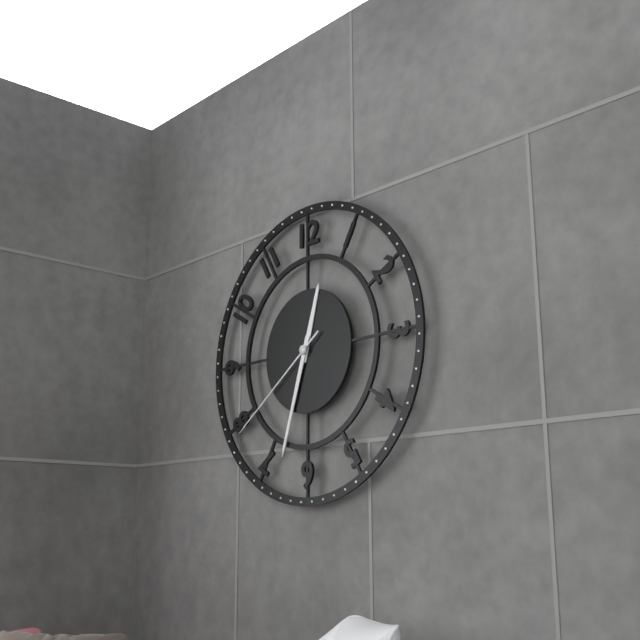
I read h=12 m=33 s=39
